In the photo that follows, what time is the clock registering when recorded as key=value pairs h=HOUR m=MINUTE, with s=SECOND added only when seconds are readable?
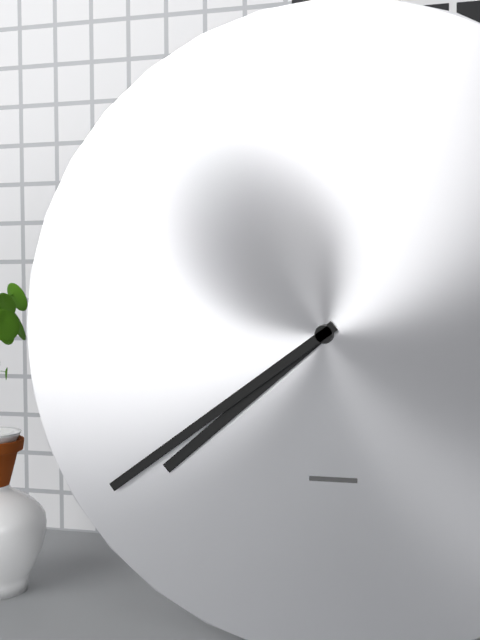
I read h=7 m=39
